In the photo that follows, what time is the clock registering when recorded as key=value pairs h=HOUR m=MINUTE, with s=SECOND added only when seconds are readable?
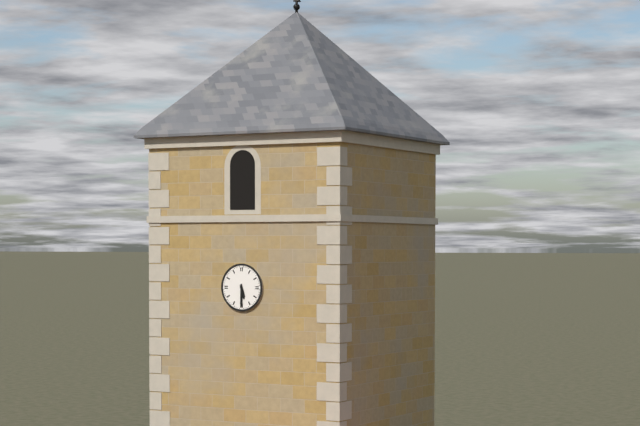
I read h=5 m=30
